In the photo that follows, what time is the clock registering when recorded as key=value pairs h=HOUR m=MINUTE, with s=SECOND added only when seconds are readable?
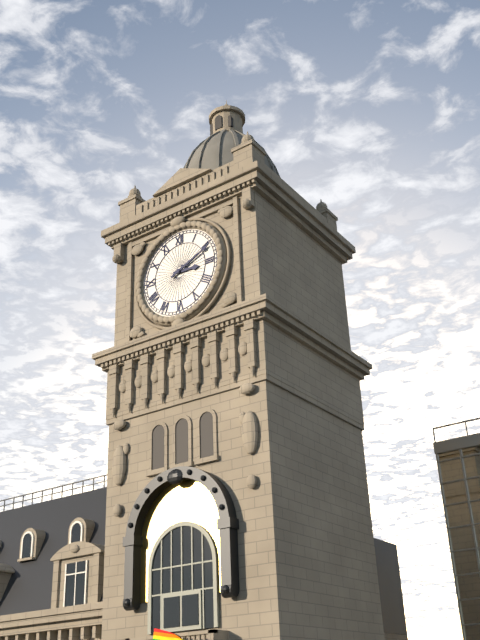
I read h=3 m=11
